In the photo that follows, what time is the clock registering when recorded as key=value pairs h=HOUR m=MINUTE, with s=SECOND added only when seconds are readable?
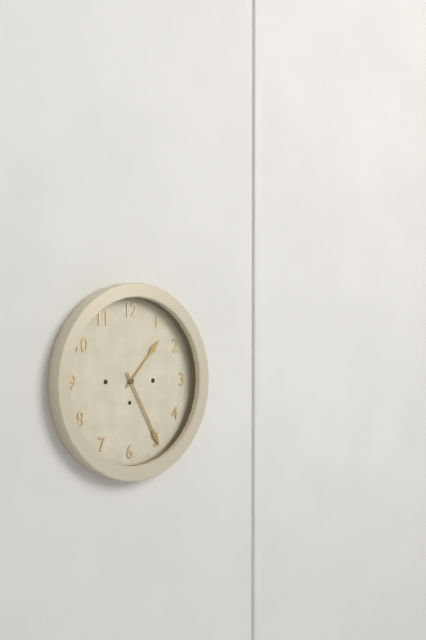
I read h=1 m=25
